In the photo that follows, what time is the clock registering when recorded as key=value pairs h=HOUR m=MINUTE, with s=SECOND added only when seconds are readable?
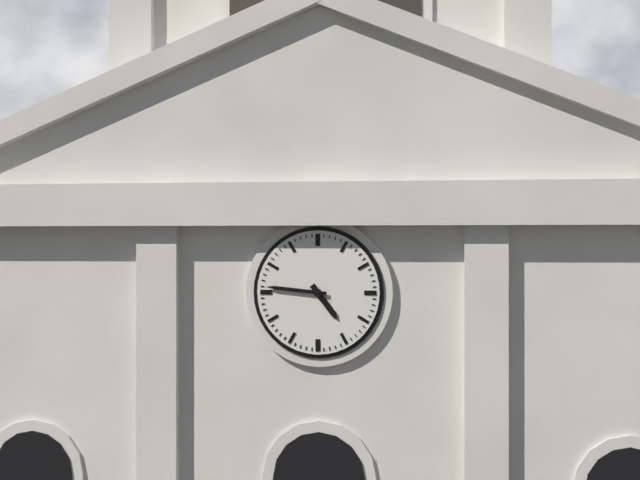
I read h=4 m=46
